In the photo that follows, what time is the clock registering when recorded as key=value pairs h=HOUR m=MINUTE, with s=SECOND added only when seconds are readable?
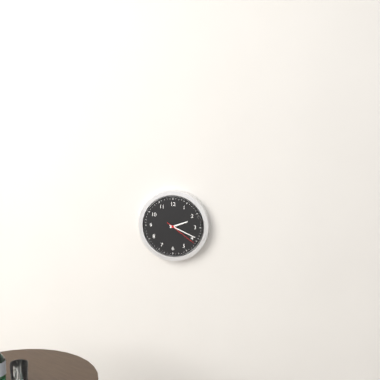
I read h=2 m=19
